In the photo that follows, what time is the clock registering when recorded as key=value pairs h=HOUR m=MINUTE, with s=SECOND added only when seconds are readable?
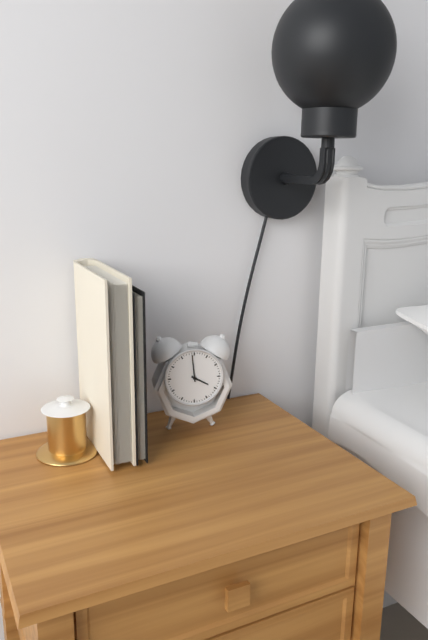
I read h=3 m=59
